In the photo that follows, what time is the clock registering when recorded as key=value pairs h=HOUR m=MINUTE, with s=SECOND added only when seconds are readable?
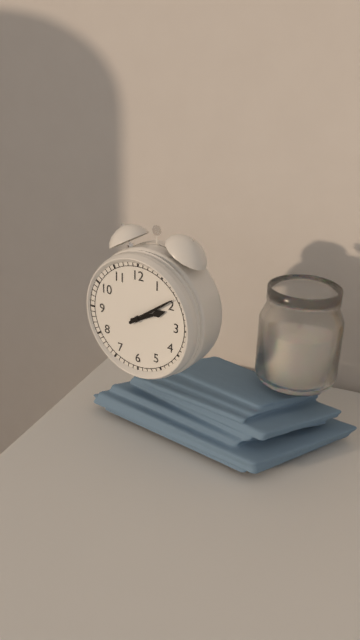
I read h=2 m=9
